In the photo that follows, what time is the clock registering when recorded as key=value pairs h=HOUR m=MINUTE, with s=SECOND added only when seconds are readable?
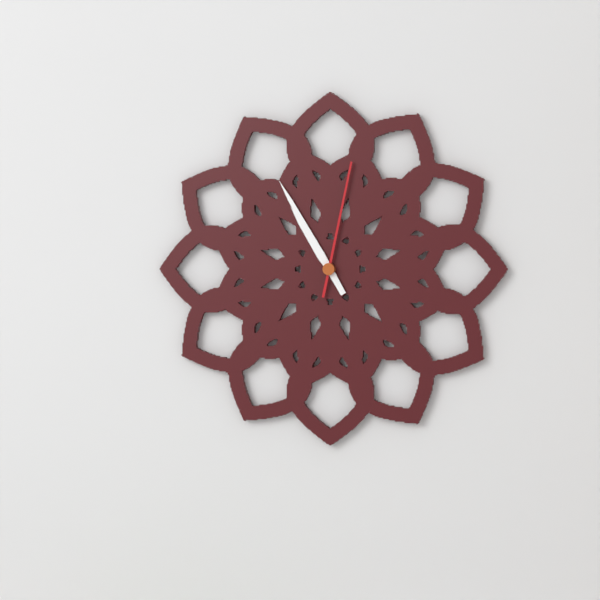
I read h=10 m=55 s=2
